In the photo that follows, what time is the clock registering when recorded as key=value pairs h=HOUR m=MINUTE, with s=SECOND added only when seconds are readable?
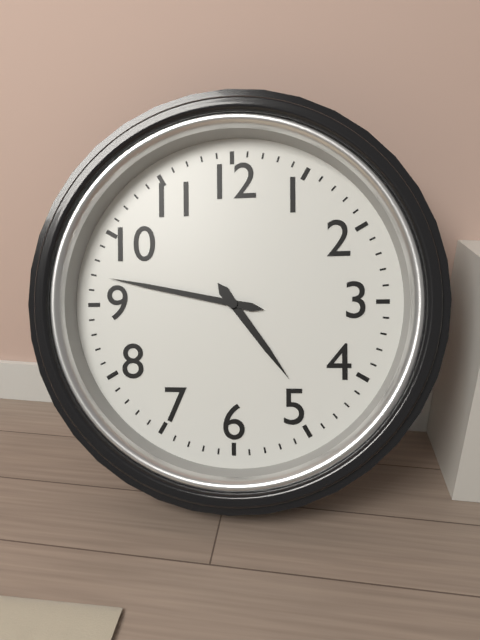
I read h=4 m=47
